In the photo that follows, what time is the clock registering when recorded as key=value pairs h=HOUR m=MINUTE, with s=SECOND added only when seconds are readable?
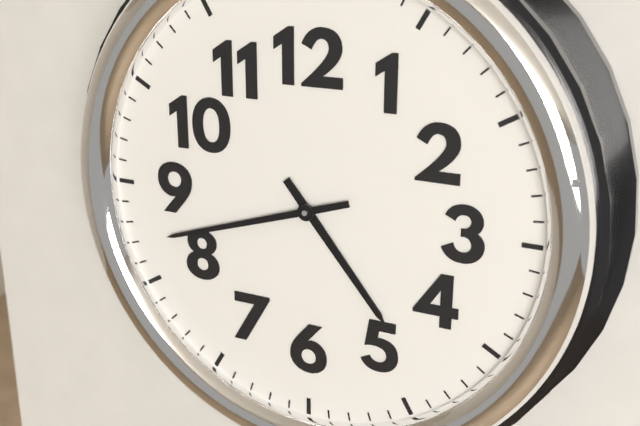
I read h=4 m=42
